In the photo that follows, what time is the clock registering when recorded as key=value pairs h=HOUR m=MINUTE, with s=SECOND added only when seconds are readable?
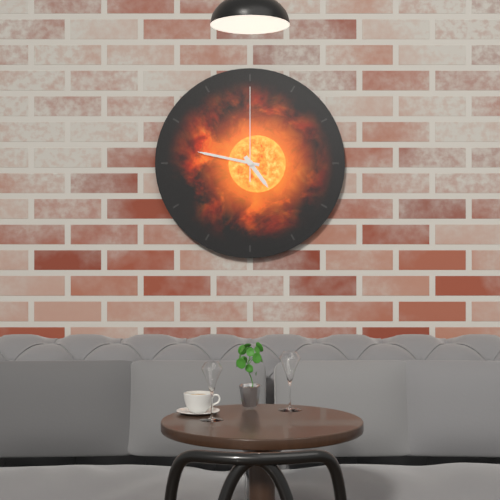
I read h=4 m=47 s=0
